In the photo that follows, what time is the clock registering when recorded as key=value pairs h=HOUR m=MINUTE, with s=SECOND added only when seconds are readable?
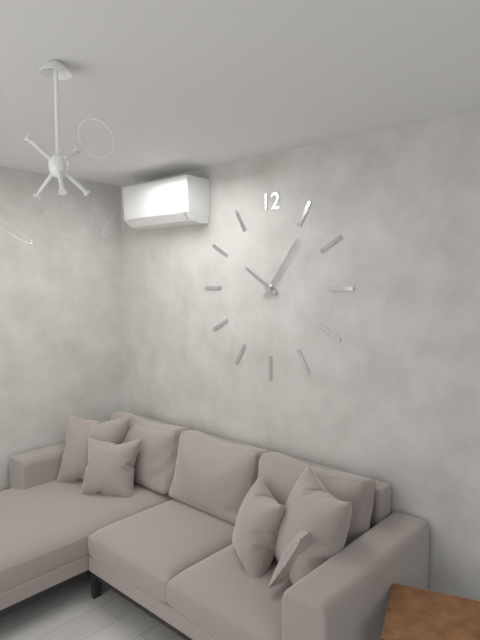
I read h=10 m=6
